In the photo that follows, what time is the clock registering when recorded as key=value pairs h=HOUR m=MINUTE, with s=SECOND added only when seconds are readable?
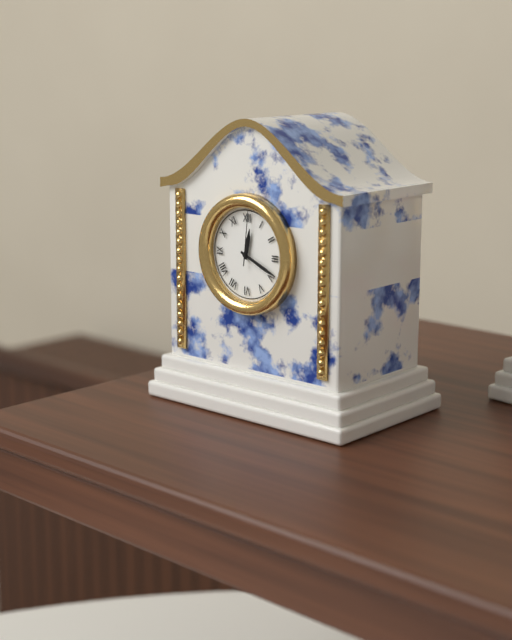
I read h=12 m=19 s=1
